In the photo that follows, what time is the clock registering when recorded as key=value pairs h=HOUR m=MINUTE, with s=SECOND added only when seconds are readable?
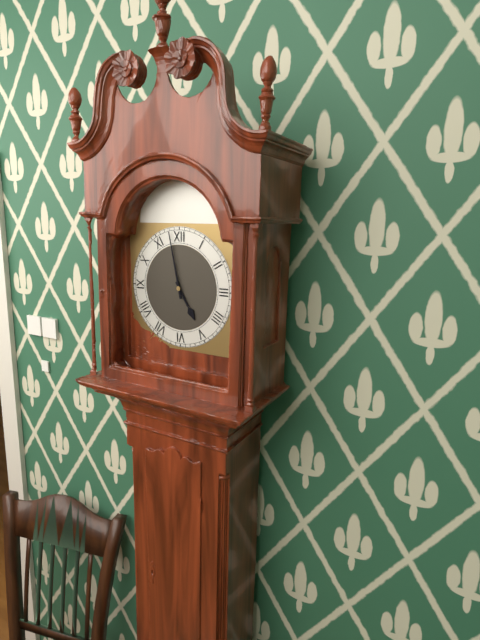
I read h=4 m=58
